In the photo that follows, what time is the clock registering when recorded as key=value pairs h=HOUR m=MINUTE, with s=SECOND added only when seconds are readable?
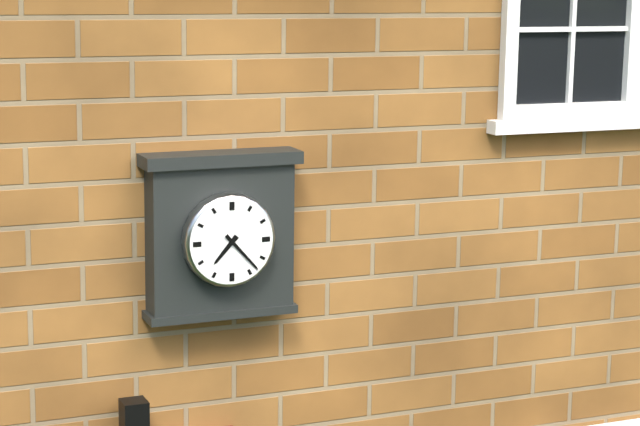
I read h=7 m=23
